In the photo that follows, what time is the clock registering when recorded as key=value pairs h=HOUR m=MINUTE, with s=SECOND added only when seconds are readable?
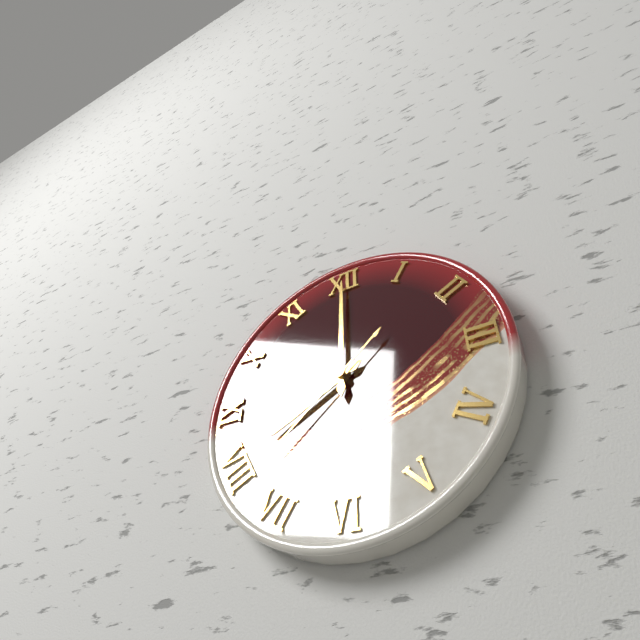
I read h=8 m=0 s=38
